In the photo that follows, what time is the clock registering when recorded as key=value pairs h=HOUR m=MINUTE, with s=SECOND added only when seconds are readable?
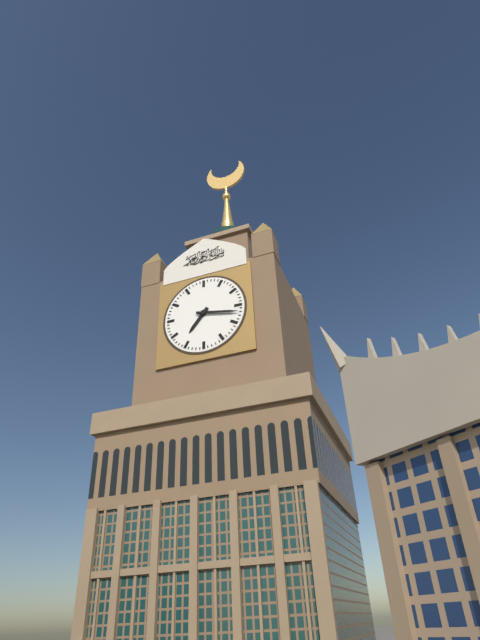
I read h=7 m=17
